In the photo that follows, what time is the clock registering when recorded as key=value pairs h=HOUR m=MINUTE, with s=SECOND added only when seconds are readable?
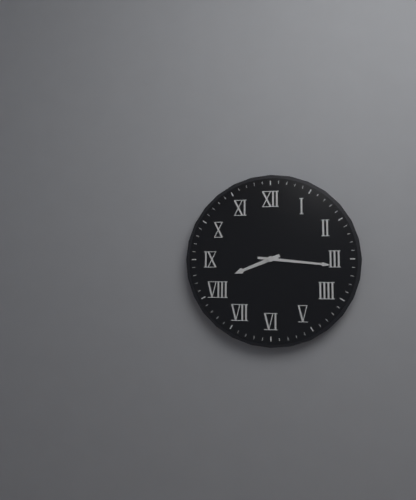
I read h=8 m=16
